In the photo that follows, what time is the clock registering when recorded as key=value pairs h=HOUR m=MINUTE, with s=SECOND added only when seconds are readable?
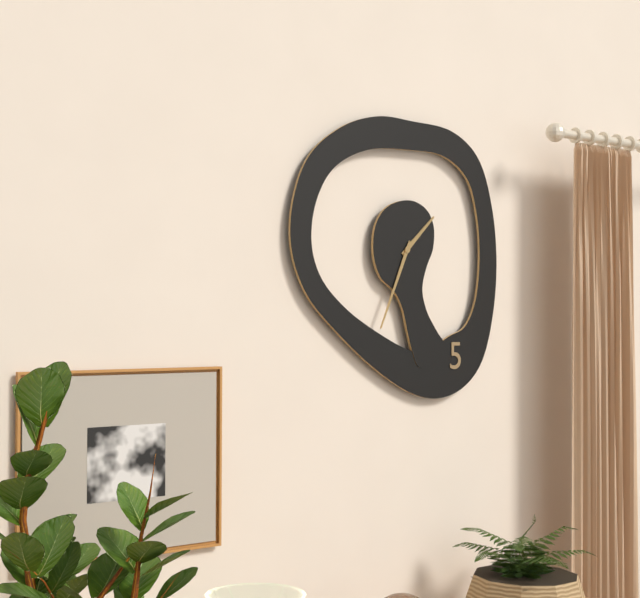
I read h=1 m=34
